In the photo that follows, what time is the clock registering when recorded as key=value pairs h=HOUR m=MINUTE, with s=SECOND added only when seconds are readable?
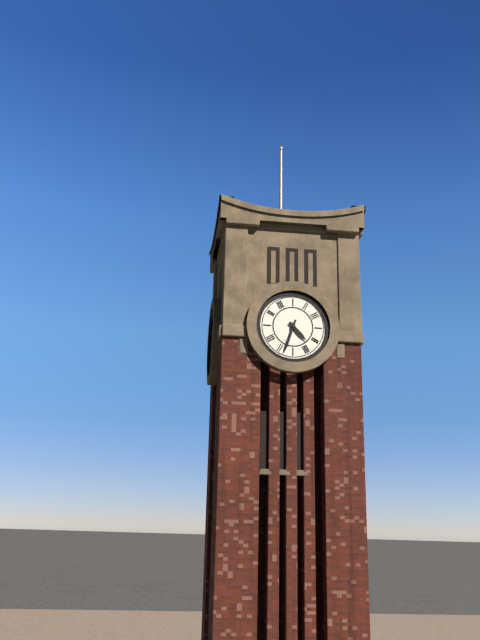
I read h=4 m=33
